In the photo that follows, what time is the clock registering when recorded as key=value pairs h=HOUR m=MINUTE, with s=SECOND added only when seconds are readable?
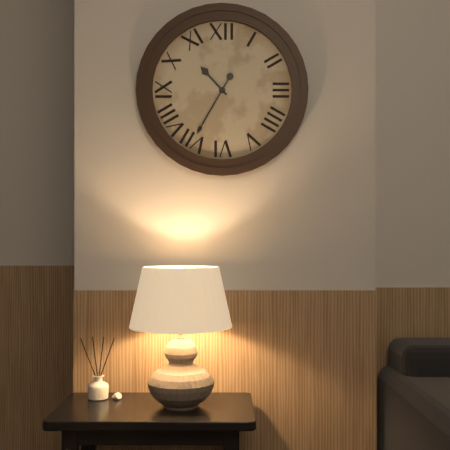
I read h=10 m=35
